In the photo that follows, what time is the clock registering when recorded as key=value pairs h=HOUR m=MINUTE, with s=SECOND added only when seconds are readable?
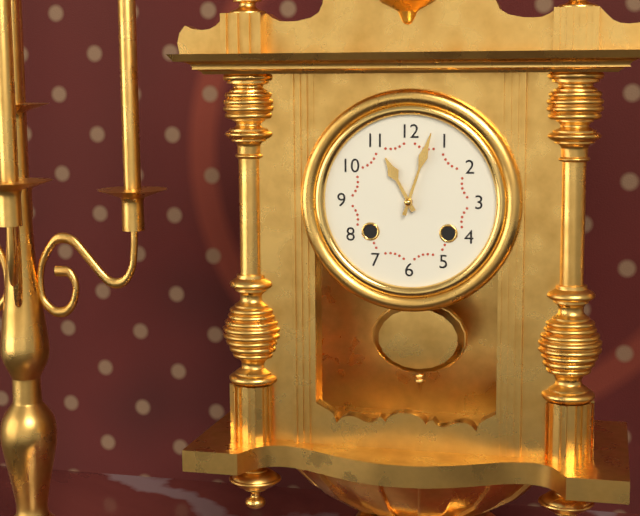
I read h=11 m=3
